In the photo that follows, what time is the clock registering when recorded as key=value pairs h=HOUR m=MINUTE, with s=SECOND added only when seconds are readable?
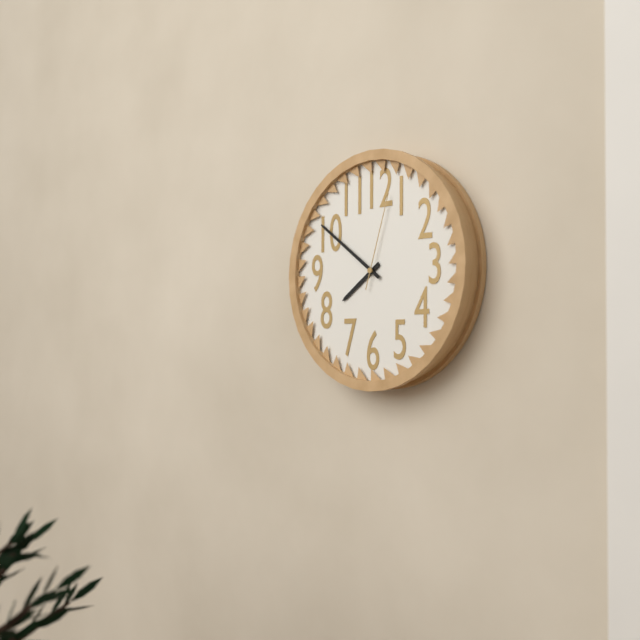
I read h=7 m=51 s=3
